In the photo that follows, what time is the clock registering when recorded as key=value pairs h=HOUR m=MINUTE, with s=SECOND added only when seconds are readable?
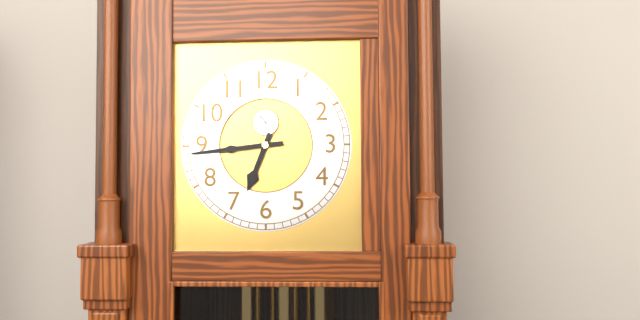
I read h=6 m=44
